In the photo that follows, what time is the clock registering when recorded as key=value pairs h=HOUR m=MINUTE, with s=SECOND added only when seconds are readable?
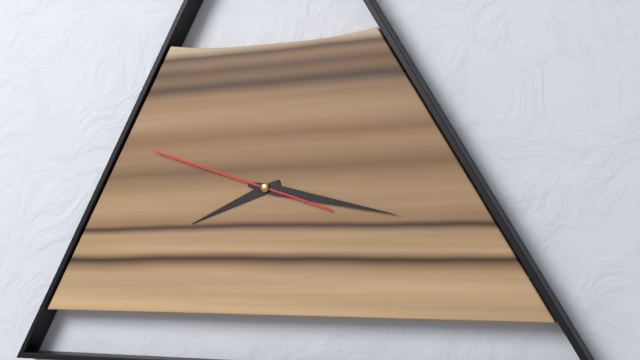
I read h=8 m=17 s=48
